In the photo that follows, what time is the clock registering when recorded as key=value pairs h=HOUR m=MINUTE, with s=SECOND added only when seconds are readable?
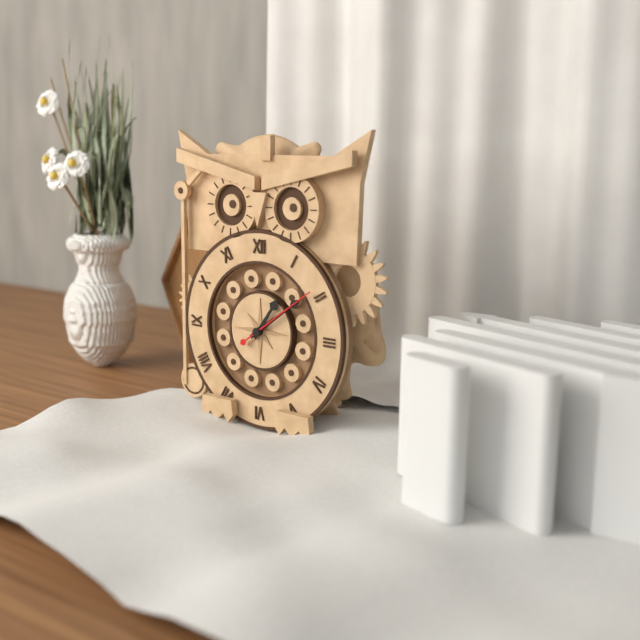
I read h=1 m=9 s=9
